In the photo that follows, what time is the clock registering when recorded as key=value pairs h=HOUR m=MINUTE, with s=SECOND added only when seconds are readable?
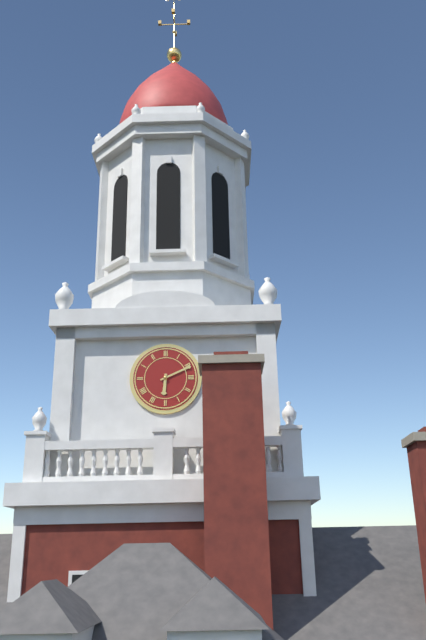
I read h=6 m=11
